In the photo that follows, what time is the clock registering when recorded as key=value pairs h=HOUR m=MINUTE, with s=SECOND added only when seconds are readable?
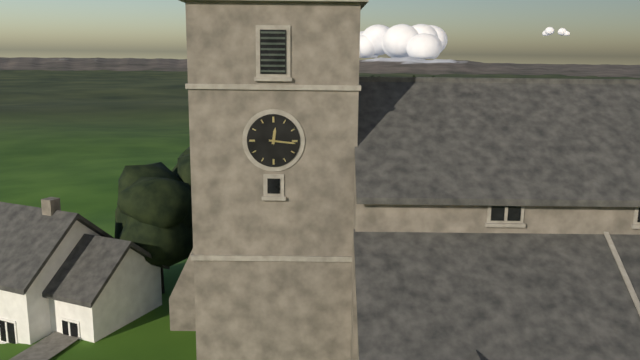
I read h=12 m=16
